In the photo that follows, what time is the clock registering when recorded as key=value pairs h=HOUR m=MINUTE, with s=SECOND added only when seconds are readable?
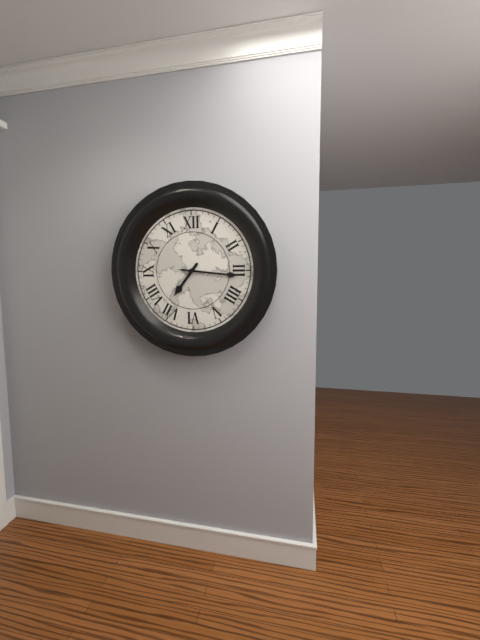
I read h=7 m=16
